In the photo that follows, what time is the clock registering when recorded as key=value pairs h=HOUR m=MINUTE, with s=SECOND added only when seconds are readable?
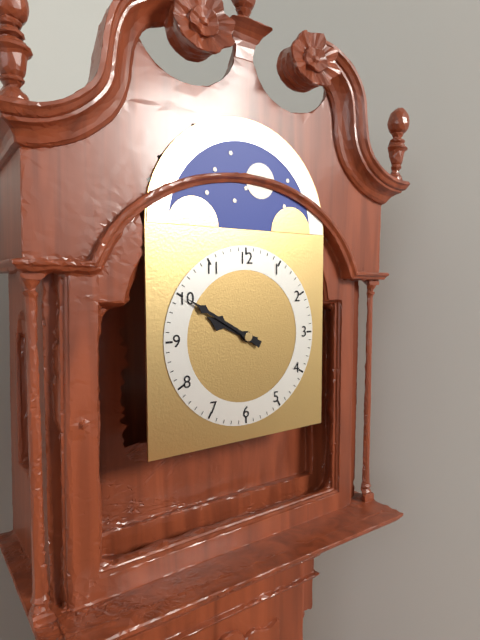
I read h=9 m=50
